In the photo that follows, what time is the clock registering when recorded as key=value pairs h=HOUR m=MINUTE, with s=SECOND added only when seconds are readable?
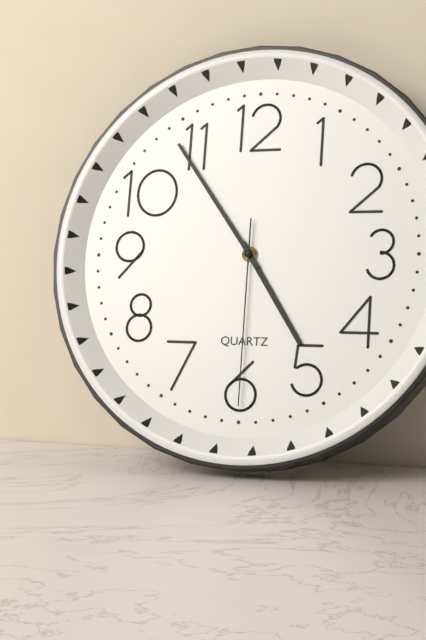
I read h=4 m=54 s=30
